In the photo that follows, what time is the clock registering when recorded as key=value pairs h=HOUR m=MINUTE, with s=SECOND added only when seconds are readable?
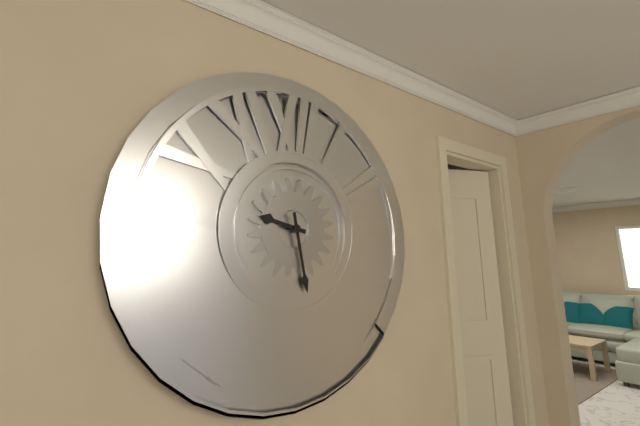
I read h=9 m=28
